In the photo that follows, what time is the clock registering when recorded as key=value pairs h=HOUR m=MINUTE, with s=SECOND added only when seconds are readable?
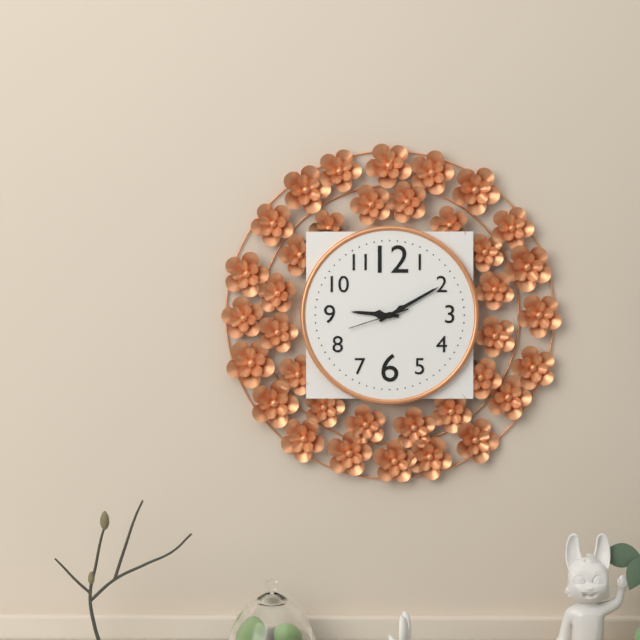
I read h=9 m=10 s=42
